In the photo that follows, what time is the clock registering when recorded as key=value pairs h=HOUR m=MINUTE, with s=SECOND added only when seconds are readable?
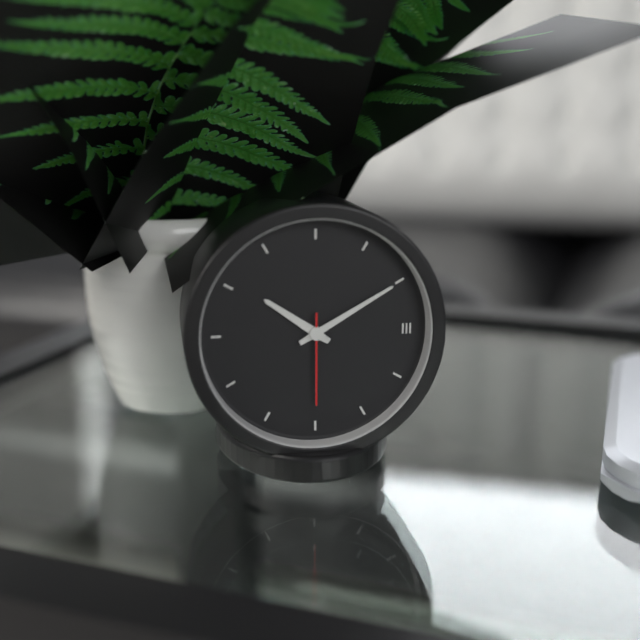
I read h=10 m=10 s=30
